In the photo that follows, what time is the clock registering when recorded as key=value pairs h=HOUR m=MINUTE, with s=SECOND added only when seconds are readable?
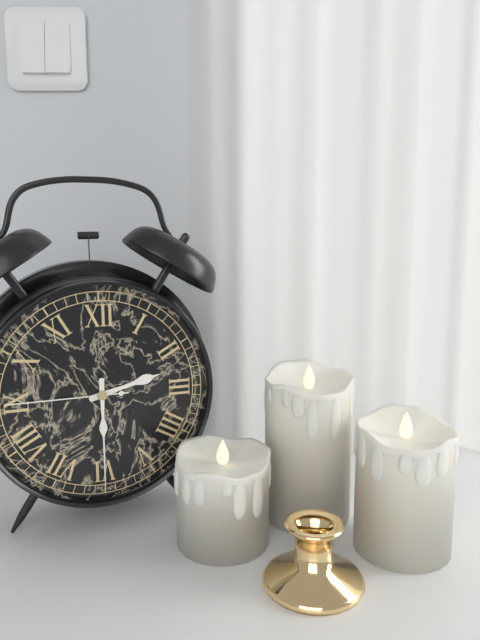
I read h=2 m=30 s=45
